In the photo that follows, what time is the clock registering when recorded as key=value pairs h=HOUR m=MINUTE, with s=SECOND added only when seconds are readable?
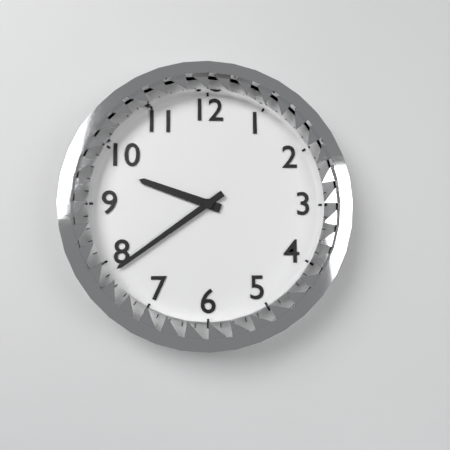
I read h=9 m=39
